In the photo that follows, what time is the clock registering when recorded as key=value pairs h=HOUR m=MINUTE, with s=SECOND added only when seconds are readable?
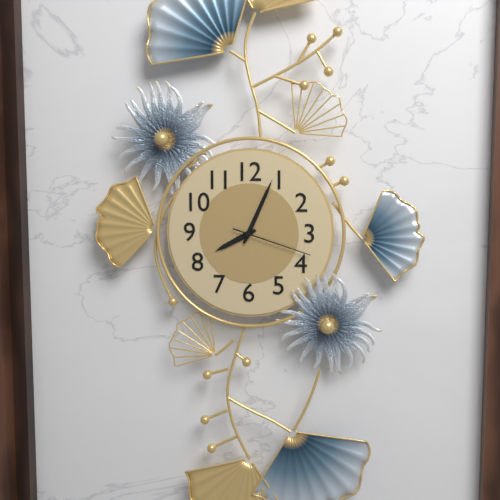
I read h=8 m=4 s=18
